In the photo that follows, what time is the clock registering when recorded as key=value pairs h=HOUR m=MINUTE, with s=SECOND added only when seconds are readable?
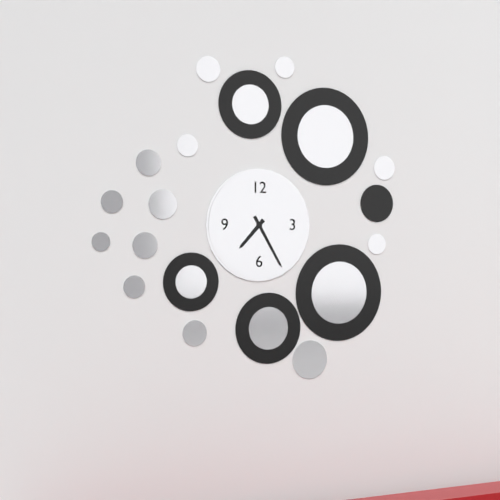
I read h=7 m=25
